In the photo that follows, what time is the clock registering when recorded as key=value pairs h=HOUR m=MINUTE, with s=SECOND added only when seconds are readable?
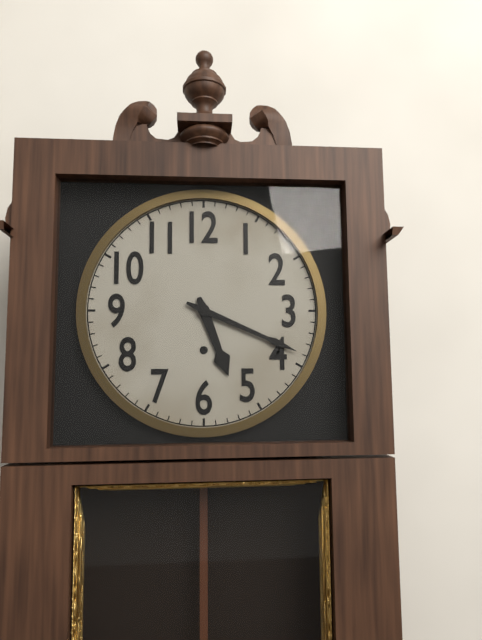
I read h=5 m=19
